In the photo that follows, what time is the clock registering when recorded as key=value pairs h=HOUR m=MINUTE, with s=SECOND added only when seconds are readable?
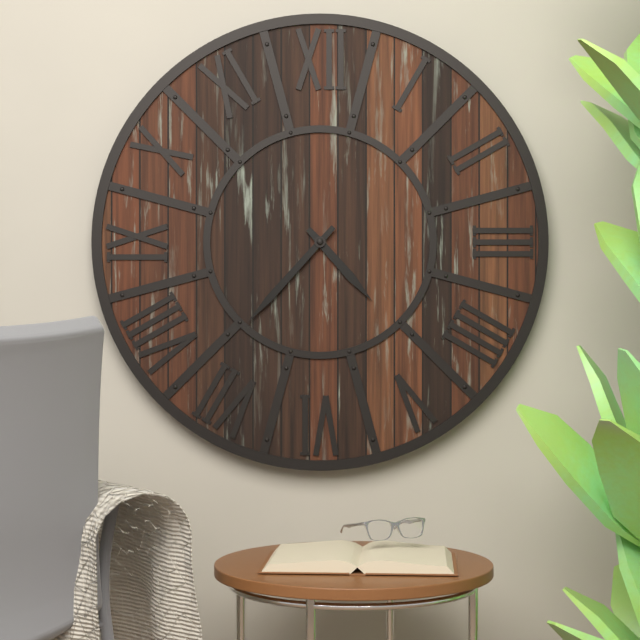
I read h=4 m=37
